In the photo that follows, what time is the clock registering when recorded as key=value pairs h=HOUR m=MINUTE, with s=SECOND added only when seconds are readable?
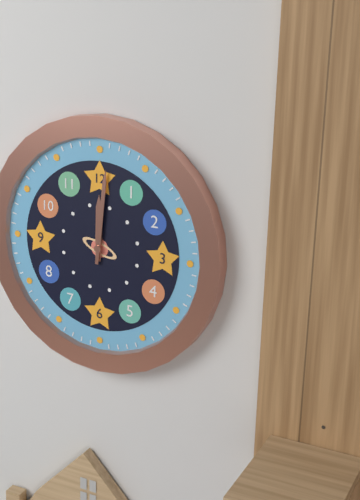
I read h=12 m=1
